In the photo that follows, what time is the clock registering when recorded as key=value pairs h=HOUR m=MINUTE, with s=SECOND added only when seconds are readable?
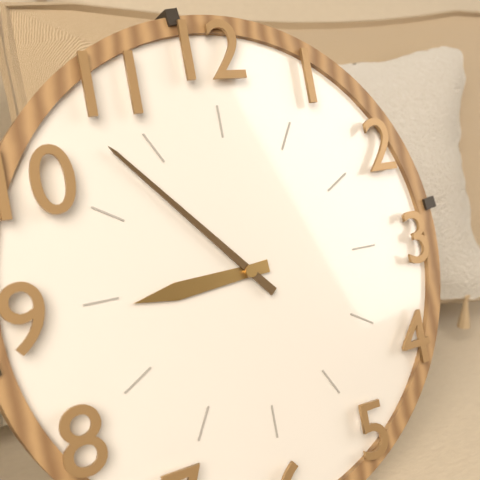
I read h=8 m=53
